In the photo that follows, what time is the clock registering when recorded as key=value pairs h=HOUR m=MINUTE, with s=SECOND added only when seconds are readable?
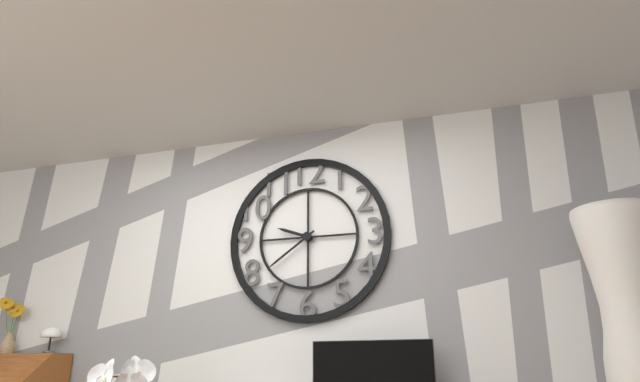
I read h=9 m=39
